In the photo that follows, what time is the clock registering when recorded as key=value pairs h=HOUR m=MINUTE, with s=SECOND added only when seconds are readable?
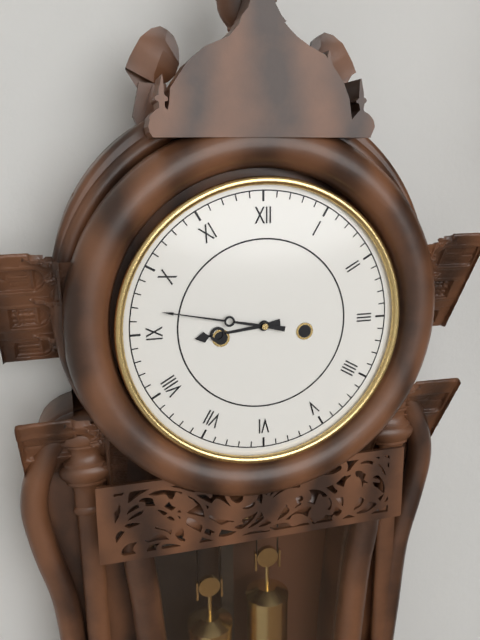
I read h=8 m=47
